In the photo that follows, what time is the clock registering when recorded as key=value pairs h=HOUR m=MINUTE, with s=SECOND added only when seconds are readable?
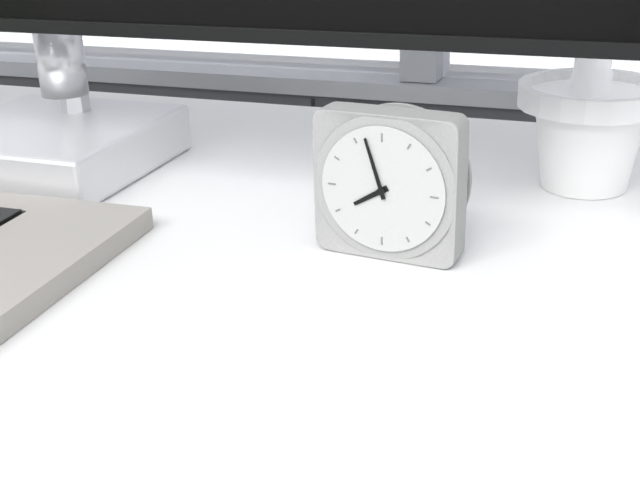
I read h=7 m=57
